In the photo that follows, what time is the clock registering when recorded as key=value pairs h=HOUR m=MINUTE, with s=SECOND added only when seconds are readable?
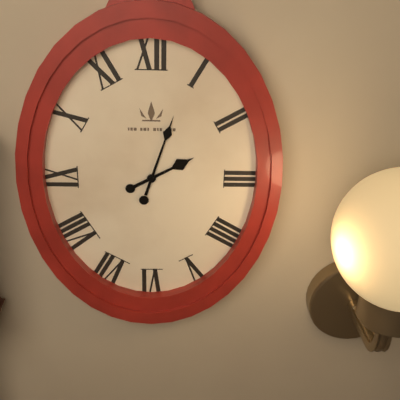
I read h=2 m=3
